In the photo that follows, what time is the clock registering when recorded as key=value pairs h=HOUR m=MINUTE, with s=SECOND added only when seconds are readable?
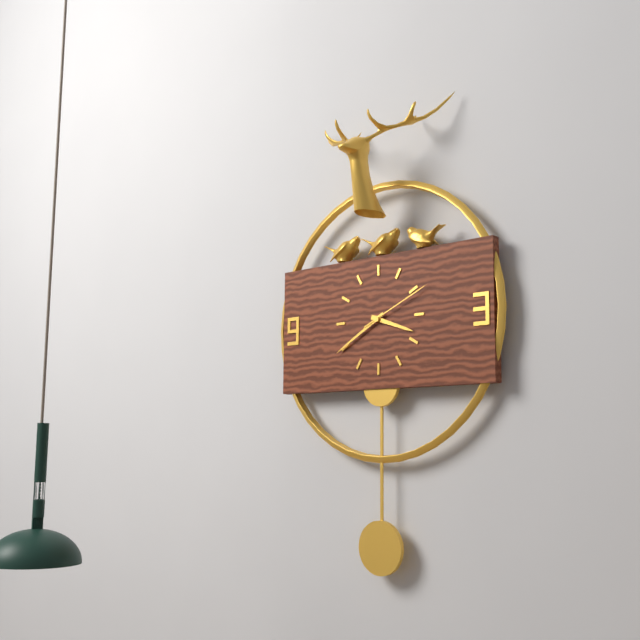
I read h=3 m=40 s=11
